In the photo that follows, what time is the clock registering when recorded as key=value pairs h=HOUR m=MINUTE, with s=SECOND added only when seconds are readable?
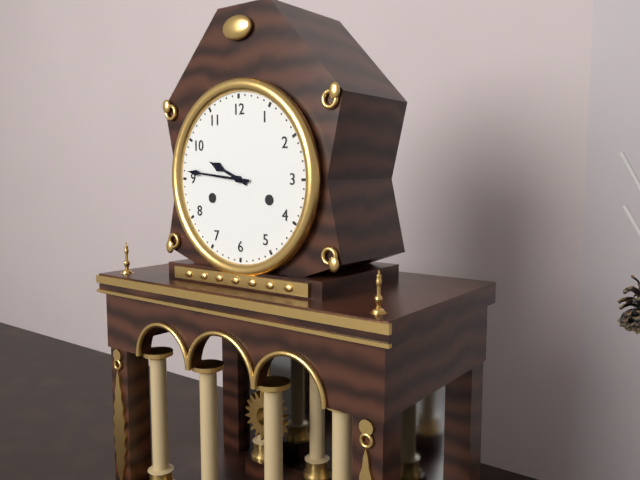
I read h=9 m=46
